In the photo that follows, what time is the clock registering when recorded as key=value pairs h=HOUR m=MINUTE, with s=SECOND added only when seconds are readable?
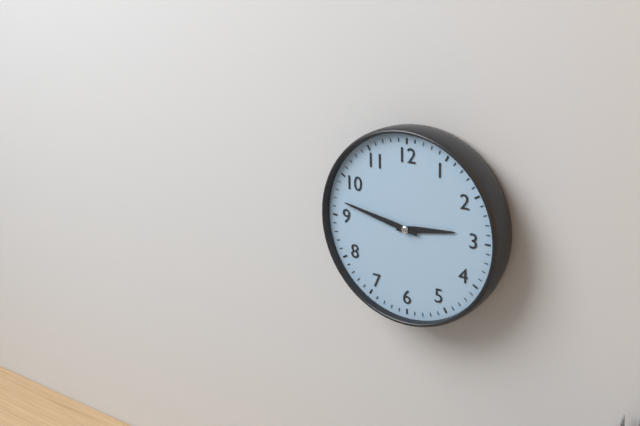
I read h=2 m=47
